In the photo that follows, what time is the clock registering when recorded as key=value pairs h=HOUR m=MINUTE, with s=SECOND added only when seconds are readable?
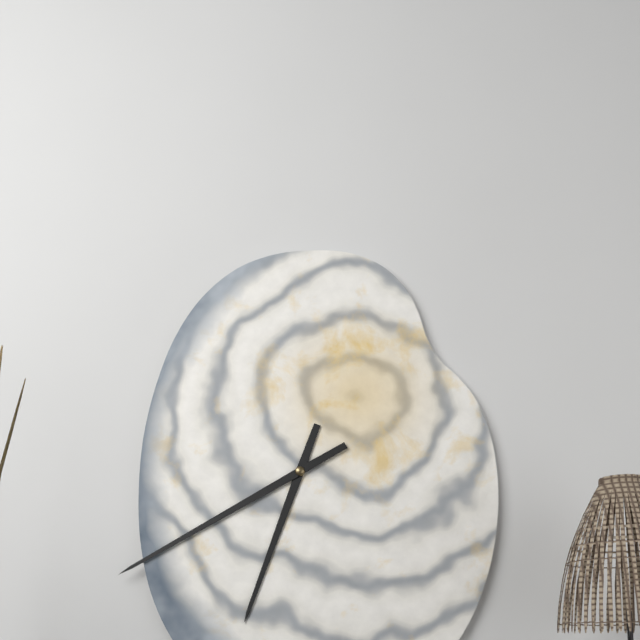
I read h=6 m=40
